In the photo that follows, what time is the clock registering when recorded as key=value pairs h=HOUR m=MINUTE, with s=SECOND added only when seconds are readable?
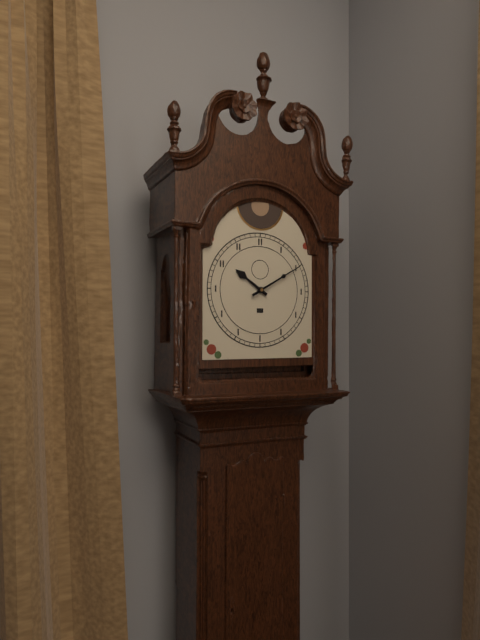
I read h=10 m=10
